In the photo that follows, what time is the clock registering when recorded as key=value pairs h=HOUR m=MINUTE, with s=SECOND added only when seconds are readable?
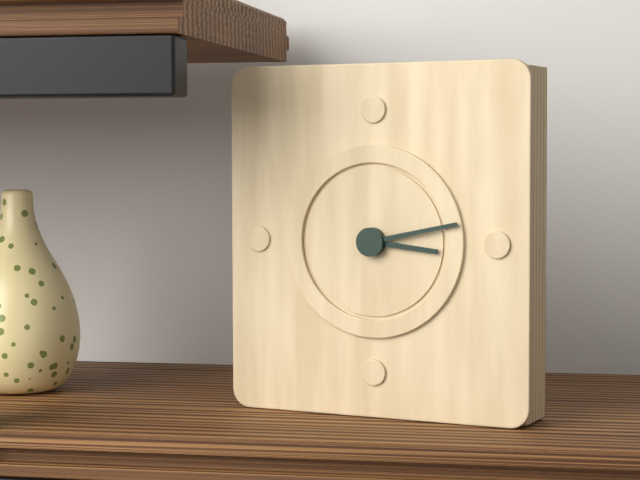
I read h=3 m=13
